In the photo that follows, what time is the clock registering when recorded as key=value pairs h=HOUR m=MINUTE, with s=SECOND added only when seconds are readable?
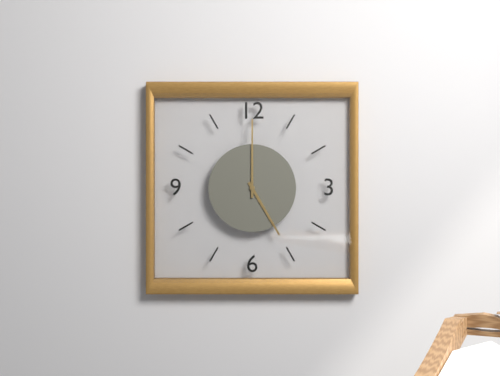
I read h=5 m=0
